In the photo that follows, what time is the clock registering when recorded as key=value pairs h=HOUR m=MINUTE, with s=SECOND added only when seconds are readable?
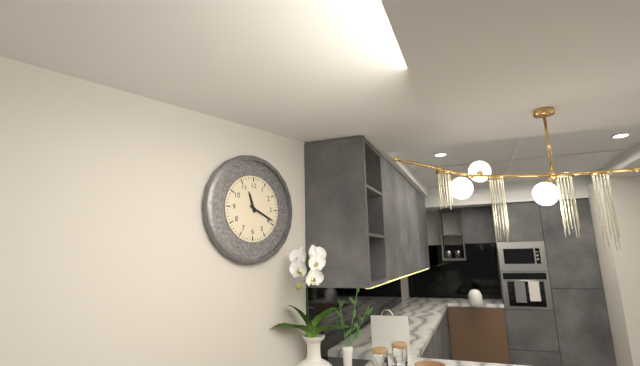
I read h=11 m=19
